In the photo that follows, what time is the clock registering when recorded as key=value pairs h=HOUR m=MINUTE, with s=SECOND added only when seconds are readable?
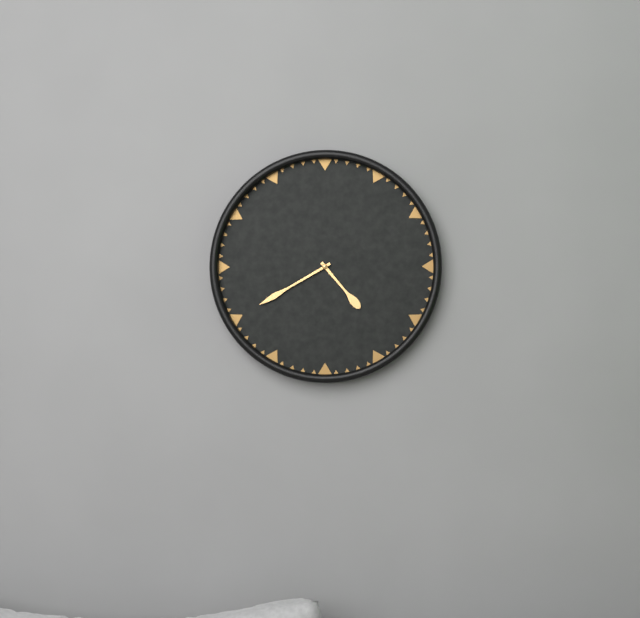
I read h=4 m=40
